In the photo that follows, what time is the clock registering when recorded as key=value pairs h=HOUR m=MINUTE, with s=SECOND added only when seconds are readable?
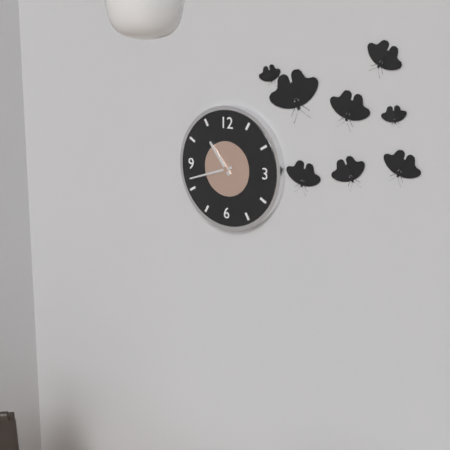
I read h=10 m=42
